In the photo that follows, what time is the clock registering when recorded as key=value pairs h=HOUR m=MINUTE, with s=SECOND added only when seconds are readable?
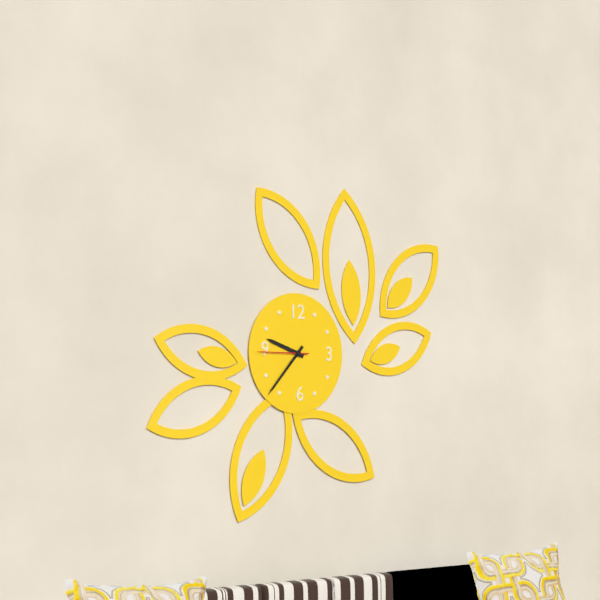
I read h=9 m=37 s=45
